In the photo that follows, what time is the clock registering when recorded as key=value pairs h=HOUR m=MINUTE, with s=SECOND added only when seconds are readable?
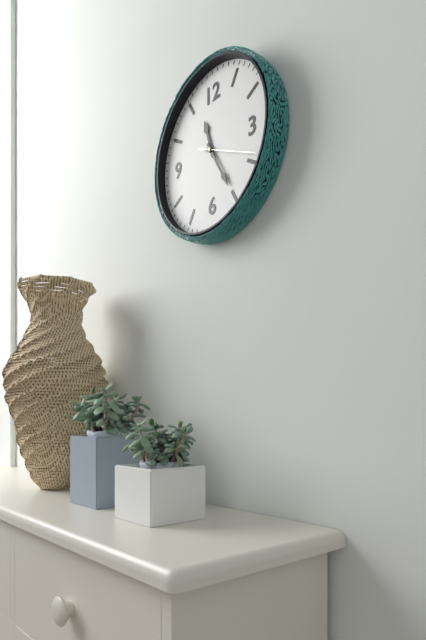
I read h=11 m=25
